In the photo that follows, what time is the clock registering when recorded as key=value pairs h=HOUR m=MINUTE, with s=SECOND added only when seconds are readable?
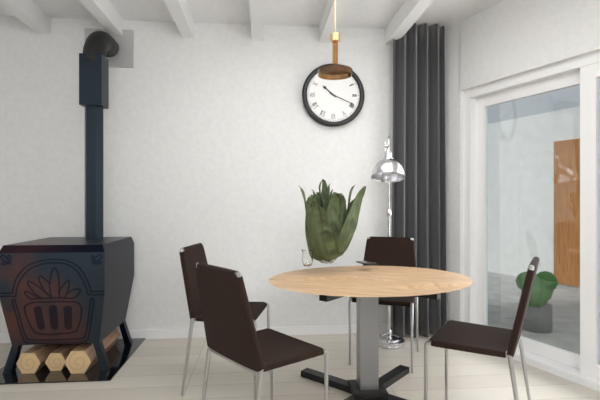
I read h=10 m=19
